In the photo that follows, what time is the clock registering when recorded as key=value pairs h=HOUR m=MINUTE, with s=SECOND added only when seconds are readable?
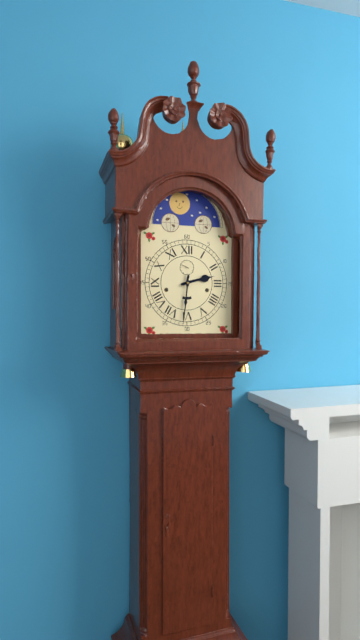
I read h=2 m=31
